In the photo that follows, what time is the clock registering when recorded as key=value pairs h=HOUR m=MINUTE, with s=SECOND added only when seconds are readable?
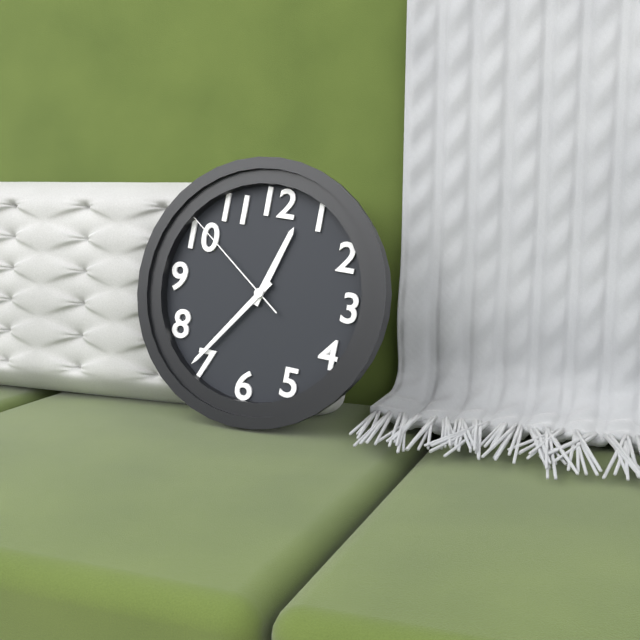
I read h=12 m=36 s=51
